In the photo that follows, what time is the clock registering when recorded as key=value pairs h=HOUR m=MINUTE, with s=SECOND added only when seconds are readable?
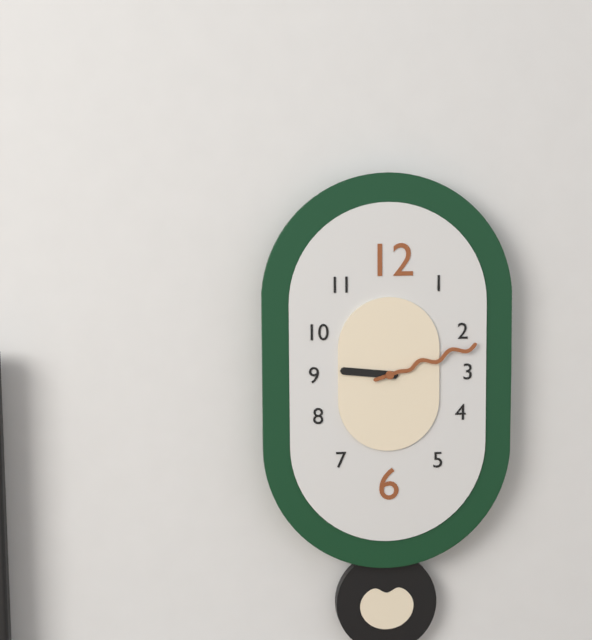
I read h=9 m=12
